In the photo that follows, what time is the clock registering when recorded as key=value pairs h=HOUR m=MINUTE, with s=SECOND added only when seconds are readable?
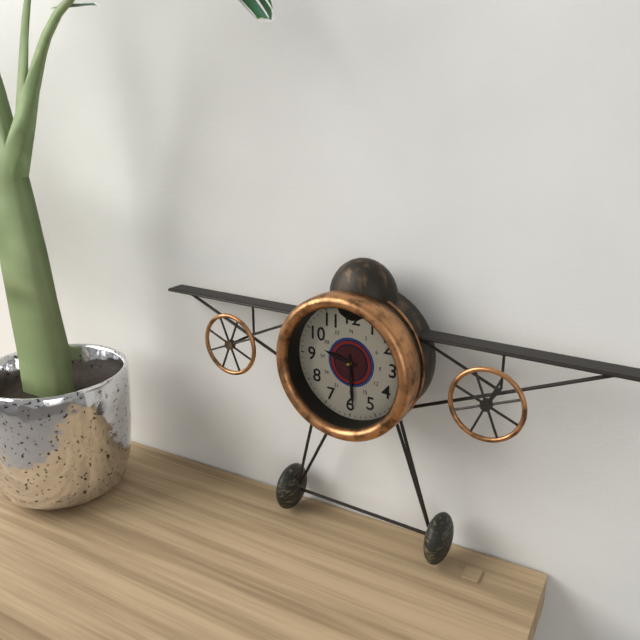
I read h=9 m=29
